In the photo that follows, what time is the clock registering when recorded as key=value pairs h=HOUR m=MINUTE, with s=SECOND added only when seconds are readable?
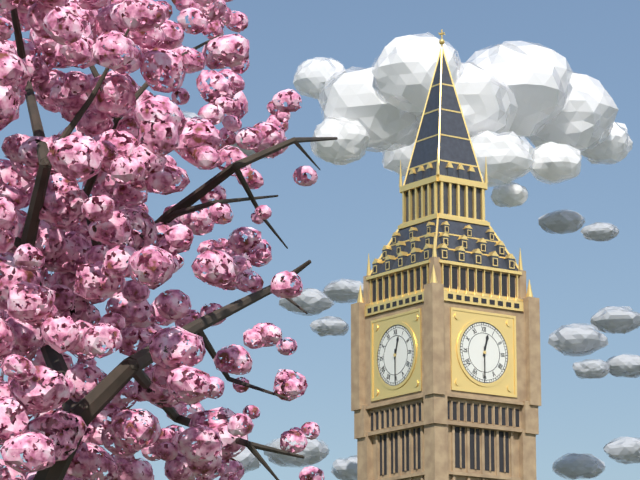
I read h=12 m=30
